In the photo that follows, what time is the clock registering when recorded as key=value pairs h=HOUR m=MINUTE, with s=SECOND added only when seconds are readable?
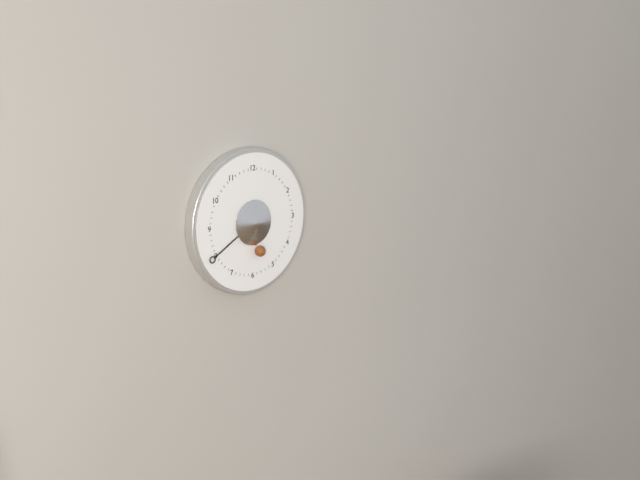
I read h=5 m=40
